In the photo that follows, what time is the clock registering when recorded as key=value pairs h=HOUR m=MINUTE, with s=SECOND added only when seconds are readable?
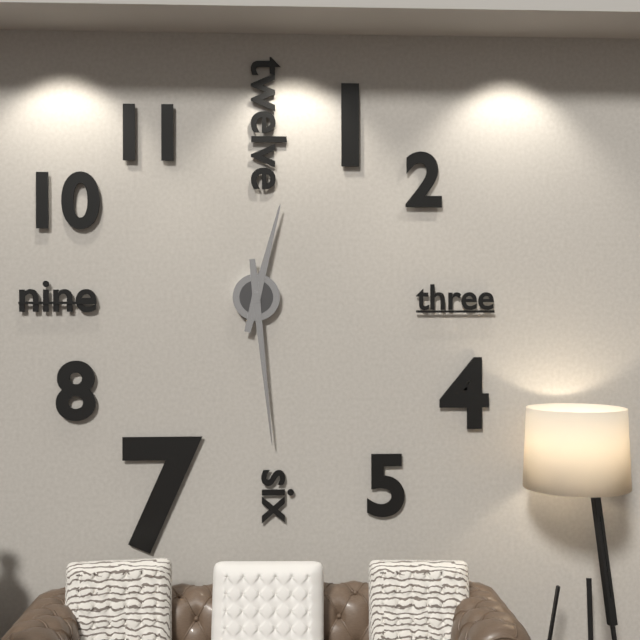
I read h=12 m=29
